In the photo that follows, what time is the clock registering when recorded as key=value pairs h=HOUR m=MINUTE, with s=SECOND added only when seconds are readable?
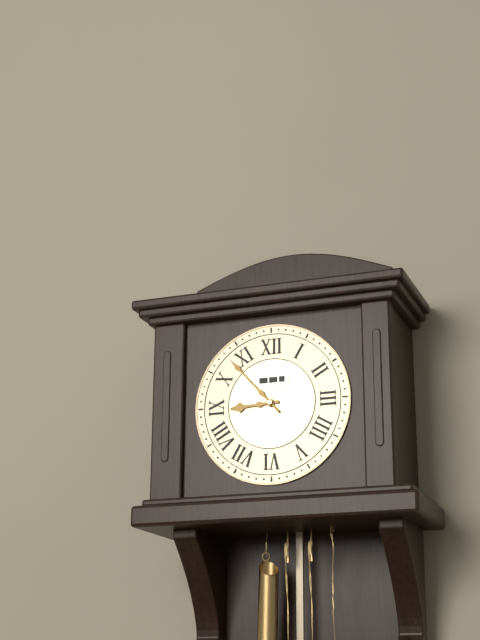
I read h=8 m=53
